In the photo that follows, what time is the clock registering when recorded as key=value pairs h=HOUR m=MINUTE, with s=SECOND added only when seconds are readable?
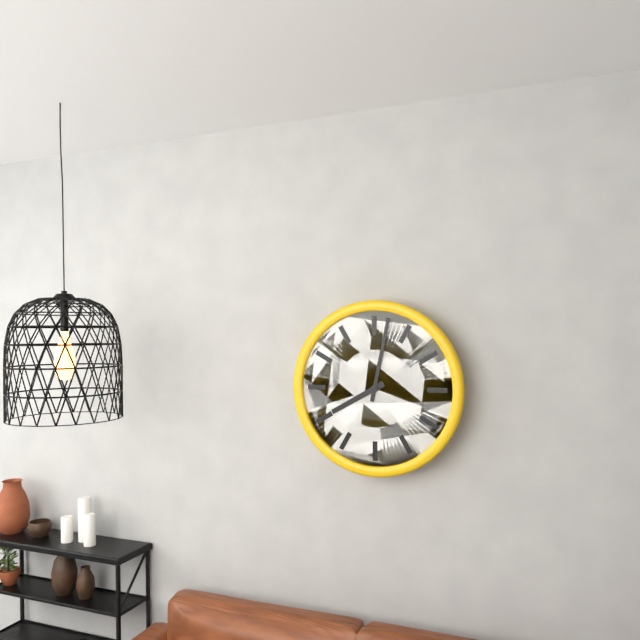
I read h=8 m=2
